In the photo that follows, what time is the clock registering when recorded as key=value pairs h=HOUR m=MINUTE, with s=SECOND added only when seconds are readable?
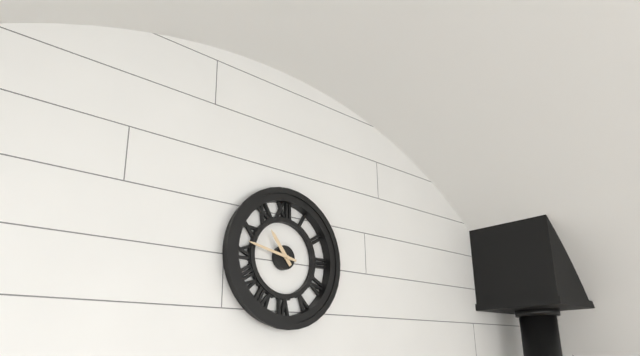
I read h=10 m=47
